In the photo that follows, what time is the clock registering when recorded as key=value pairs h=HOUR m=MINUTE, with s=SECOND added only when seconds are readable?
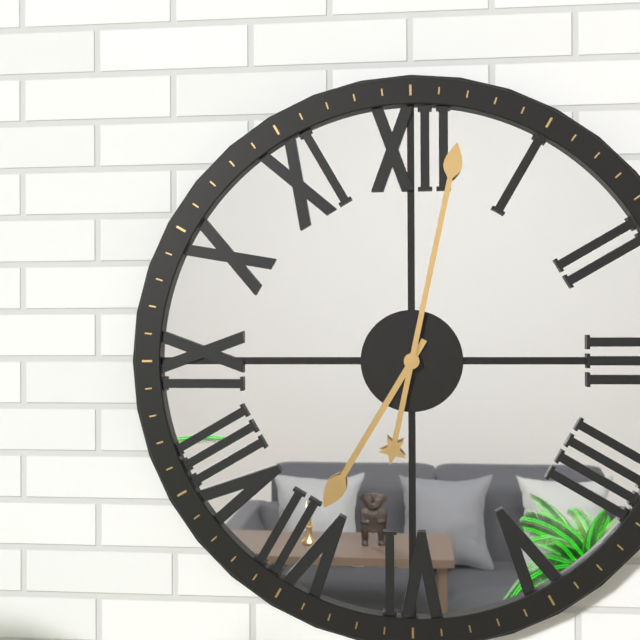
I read h=7 m=2
